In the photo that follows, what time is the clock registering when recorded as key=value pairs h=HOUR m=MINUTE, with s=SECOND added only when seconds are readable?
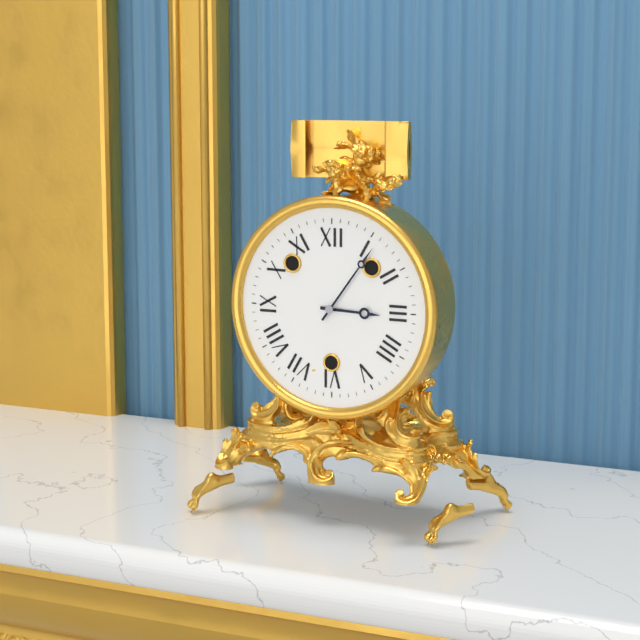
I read h=3 m=6
